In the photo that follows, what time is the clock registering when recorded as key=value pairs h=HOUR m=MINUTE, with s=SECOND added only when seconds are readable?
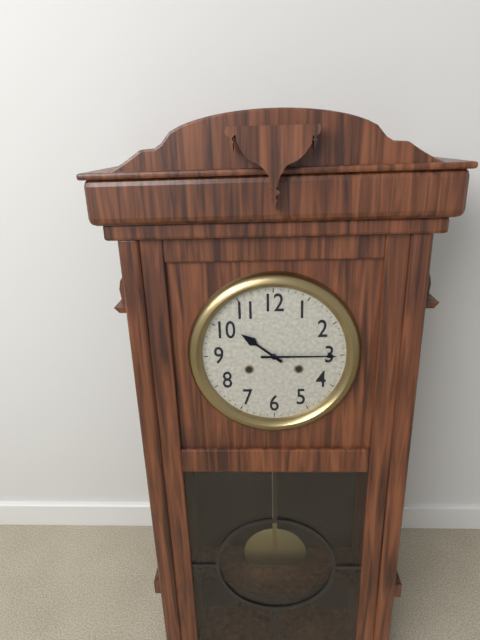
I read h=10 m=15
